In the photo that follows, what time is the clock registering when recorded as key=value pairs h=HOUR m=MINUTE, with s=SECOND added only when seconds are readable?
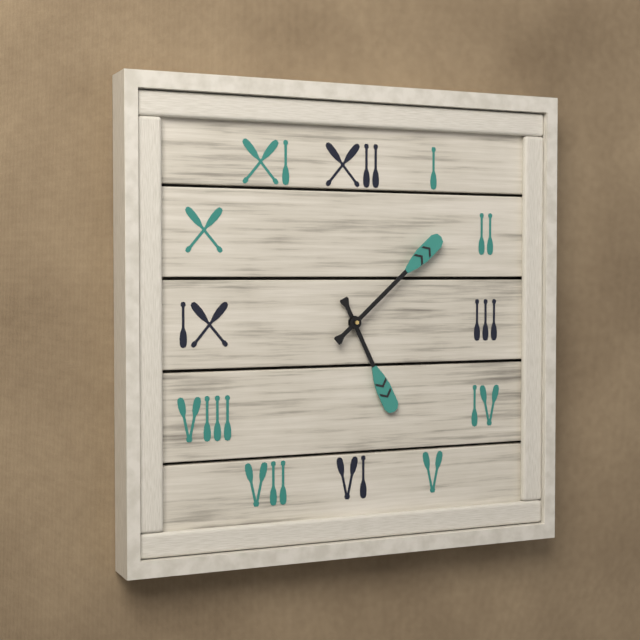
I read h=5 m=8
